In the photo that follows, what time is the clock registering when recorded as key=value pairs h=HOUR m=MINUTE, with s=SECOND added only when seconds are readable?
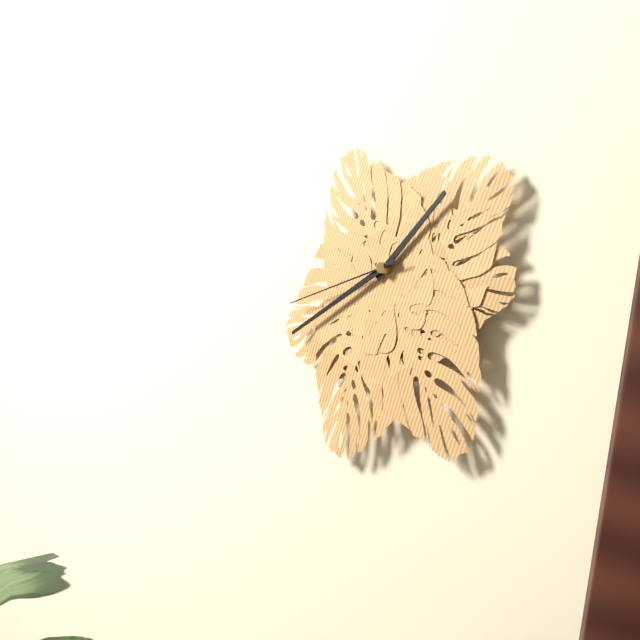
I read h=1 m=41 s=43
